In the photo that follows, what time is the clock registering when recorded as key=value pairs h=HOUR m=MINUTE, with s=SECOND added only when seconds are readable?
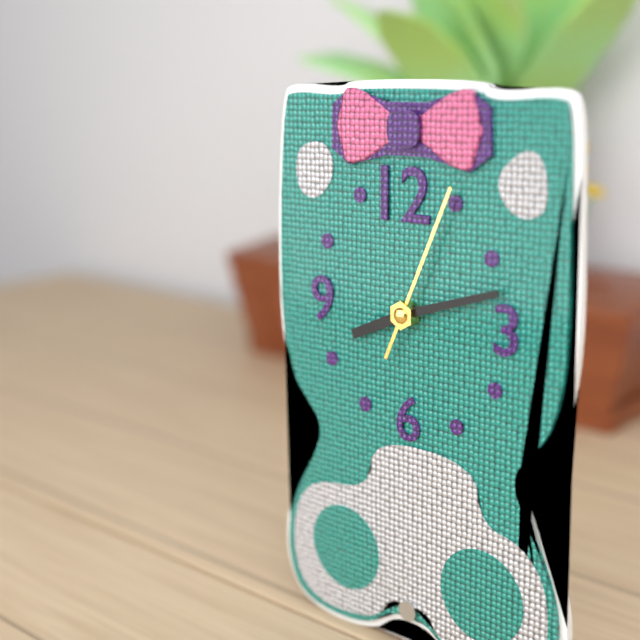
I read h=8 m=12 s=4
